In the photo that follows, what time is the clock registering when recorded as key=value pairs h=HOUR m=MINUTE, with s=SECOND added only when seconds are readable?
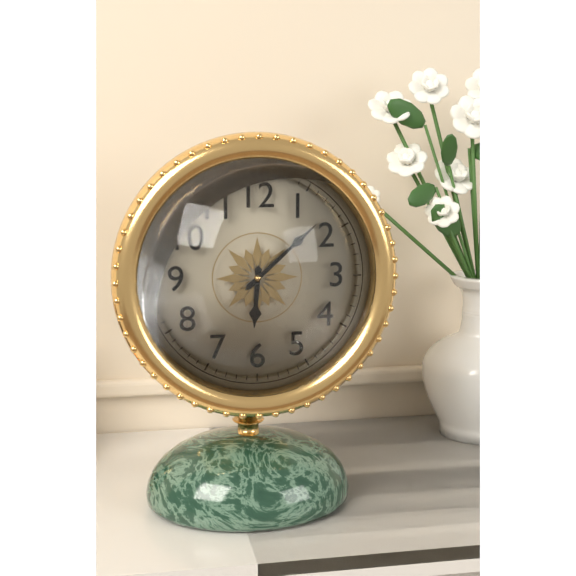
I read h=6 m=8
